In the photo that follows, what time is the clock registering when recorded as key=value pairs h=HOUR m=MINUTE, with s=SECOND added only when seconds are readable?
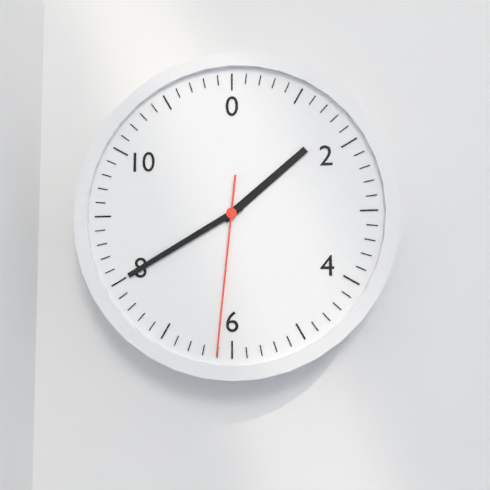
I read h=1 m=40 s=31
